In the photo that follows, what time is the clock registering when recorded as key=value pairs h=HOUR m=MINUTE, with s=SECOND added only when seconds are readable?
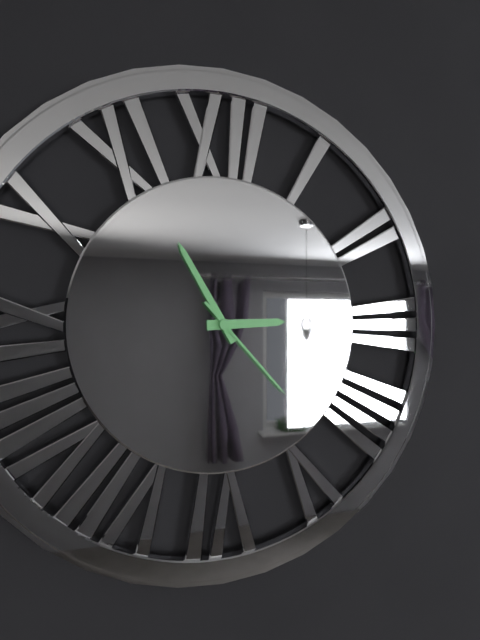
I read h=2 m=55 s=23
